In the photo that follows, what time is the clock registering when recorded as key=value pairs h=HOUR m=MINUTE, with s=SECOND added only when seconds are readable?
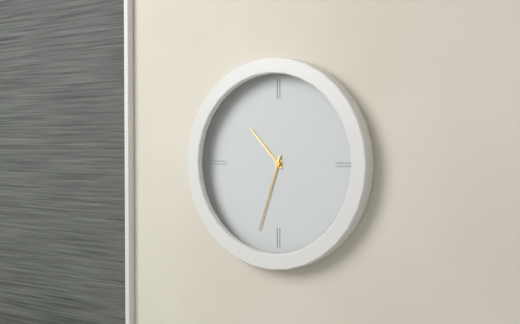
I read h=10 m=33
